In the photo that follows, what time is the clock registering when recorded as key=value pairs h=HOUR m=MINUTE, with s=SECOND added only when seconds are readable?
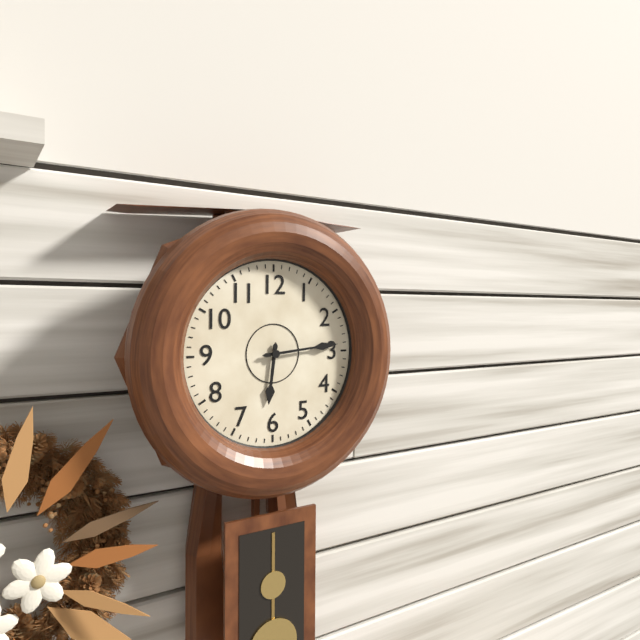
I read h=6 m=14
